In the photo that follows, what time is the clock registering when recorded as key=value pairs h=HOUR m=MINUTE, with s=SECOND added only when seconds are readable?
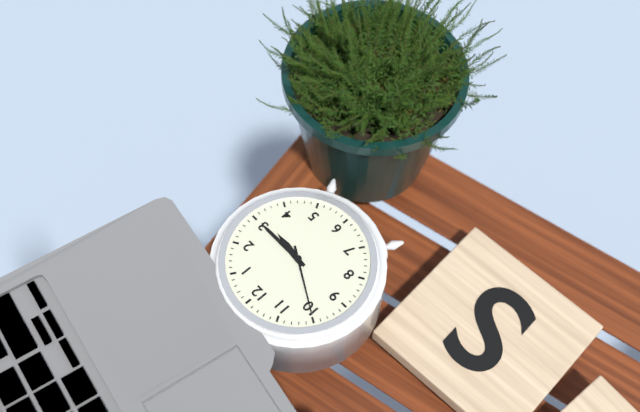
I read h=3 m=15 s=50
